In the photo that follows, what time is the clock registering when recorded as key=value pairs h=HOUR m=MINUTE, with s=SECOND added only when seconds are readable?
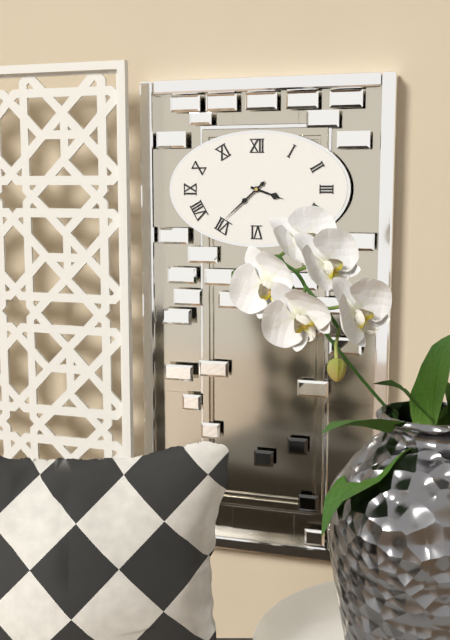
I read h=3 m=38
